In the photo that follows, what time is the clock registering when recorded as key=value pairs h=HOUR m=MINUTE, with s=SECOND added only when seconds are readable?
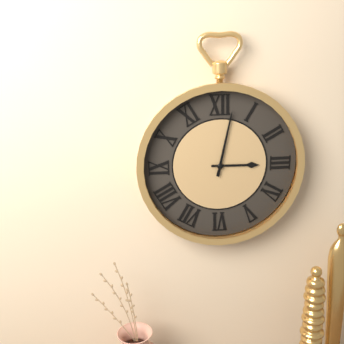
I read h=3 m=2
